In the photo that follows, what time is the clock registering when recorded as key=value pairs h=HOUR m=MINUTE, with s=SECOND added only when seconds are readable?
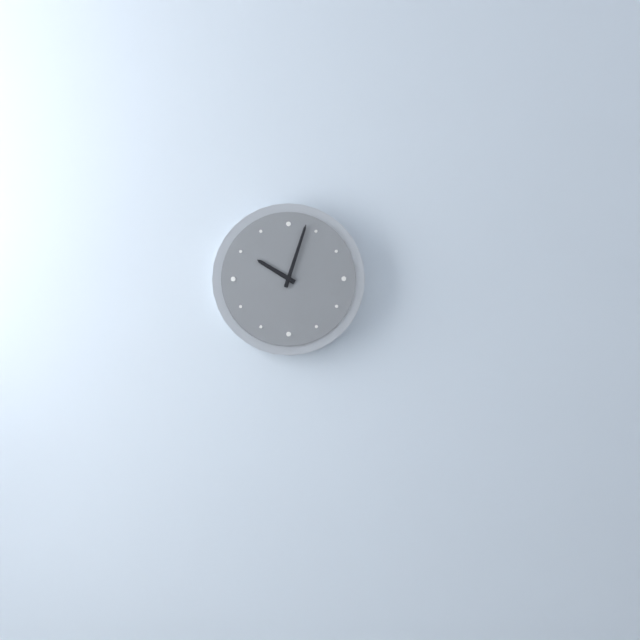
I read h=10 m=3
